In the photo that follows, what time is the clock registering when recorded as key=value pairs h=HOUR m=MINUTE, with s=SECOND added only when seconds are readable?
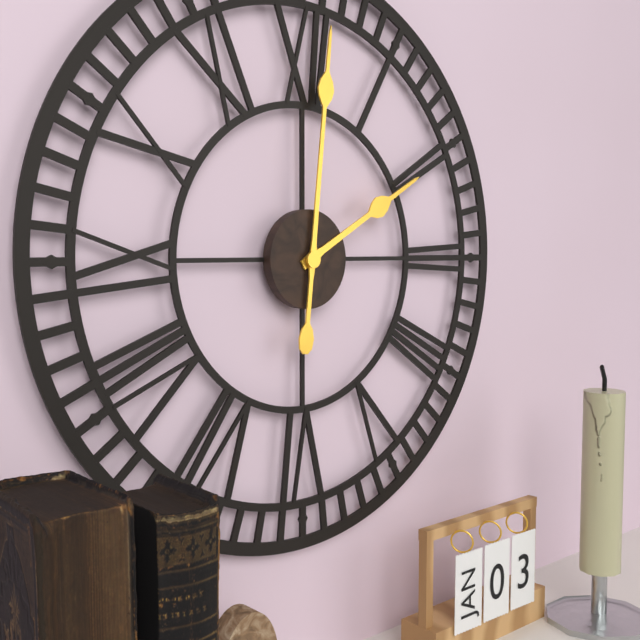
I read h=2 m=1
